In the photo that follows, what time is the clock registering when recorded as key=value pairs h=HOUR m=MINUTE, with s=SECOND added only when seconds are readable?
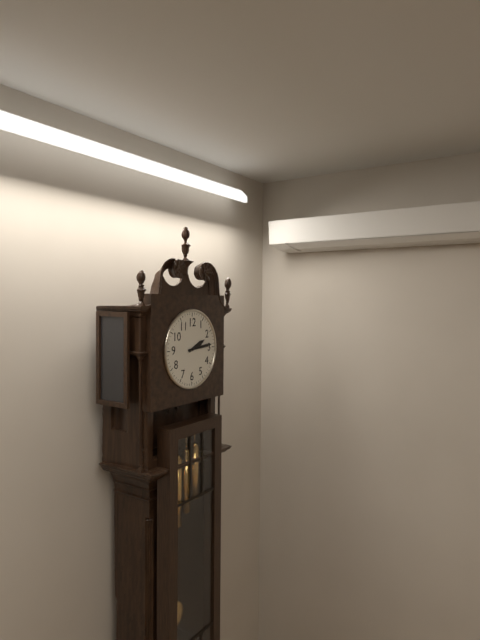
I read h=2 m=14
